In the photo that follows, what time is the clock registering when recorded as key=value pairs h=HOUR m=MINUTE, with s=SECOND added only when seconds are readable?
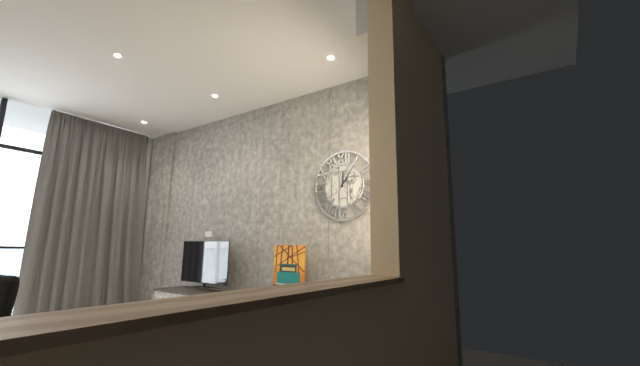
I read h=12 m=6
